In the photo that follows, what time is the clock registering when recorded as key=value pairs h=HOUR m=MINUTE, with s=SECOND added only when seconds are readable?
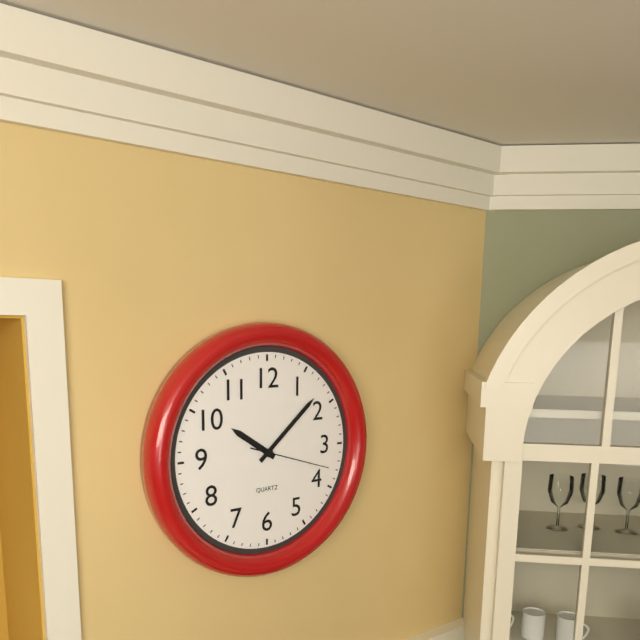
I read h=10 m=8 s=18
